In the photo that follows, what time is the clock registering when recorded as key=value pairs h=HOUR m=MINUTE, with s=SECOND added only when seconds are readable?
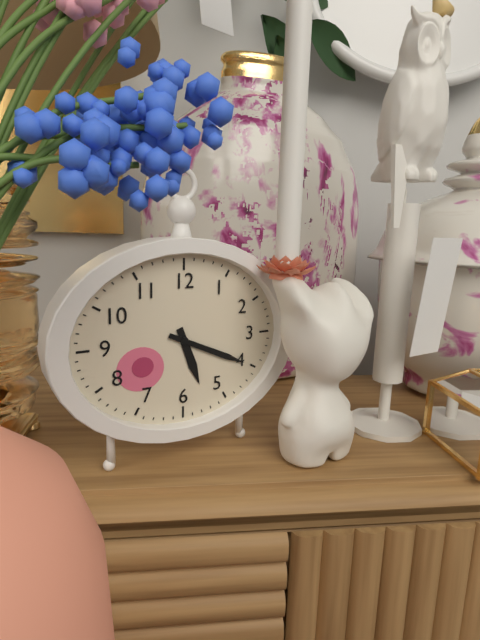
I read h=5 m=19
